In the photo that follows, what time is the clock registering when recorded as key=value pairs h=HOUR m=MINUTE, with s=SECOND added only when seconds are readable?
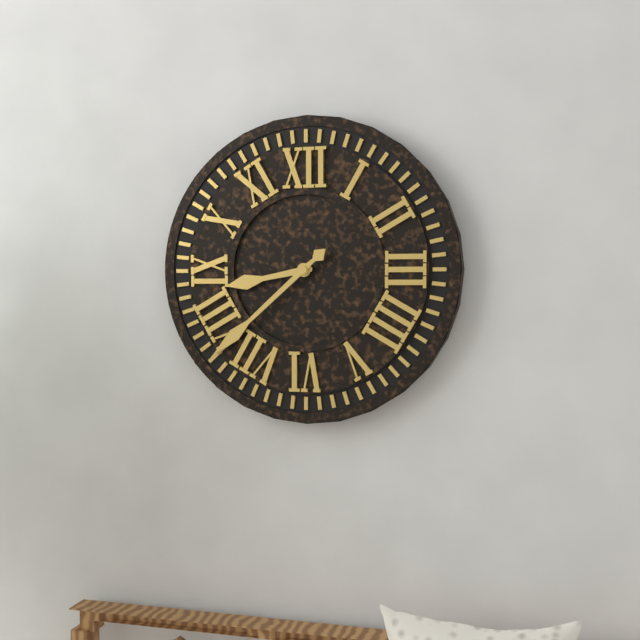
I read h=8 m=38
